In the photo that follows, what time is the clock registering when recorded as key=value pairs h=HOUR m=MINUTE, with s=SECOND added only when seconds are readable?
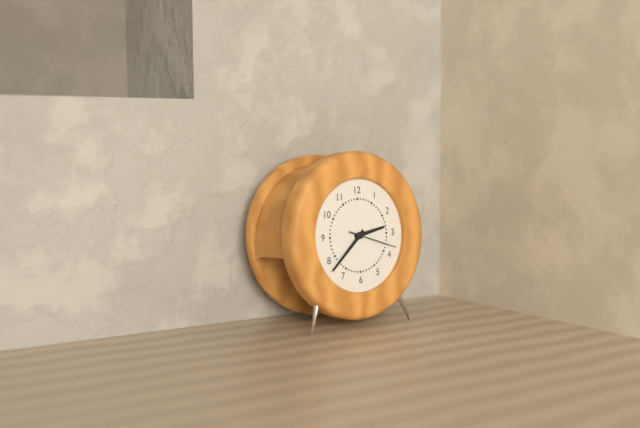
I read h=2 m=38
